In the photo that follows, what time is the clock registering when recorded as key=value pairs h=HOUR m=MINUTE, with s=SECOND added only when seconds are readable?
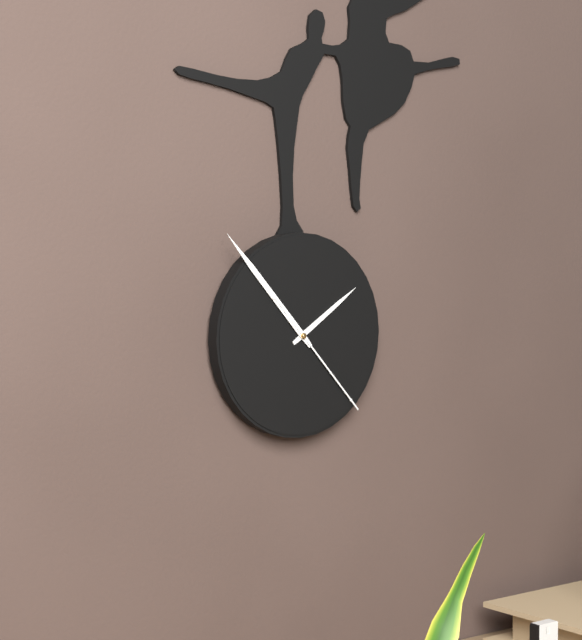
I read h=1 m=53 s=23
